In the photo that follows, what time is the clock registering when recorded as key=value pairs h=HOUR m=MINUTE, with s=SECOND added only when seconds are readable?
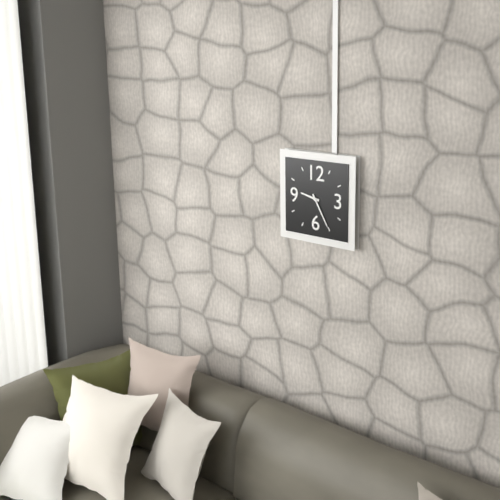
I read h=9 m=25
